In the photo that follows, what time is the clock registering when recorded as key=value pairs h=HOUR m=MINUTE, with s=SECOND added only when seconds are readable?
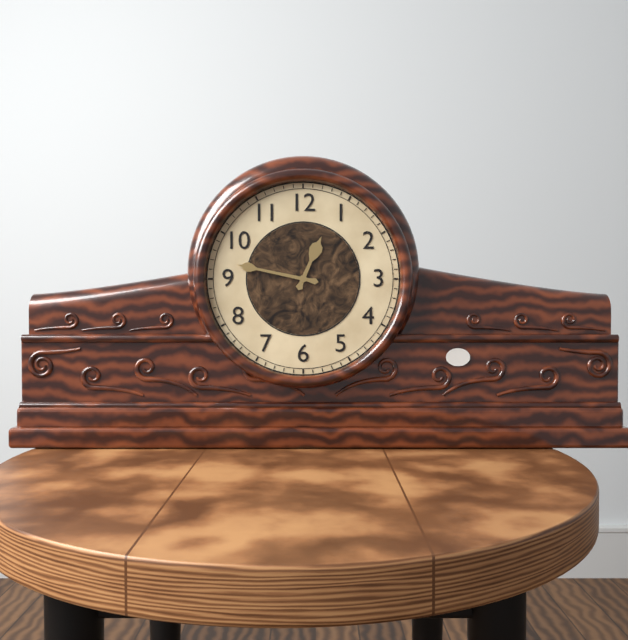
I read h=12 m=47
